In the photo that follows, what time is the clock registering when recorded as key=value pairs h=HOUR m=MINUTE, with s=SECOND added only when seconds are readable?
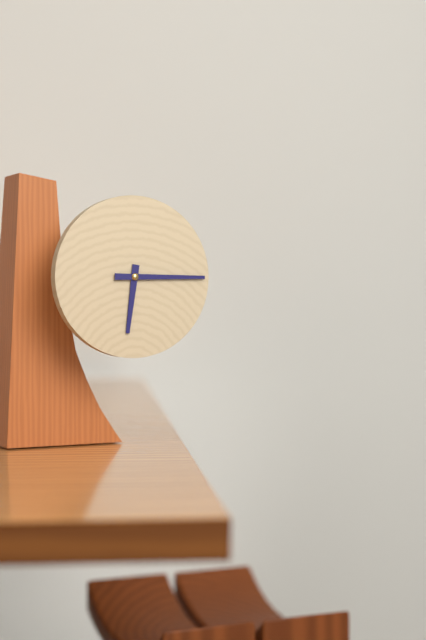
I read h=6 m=15
